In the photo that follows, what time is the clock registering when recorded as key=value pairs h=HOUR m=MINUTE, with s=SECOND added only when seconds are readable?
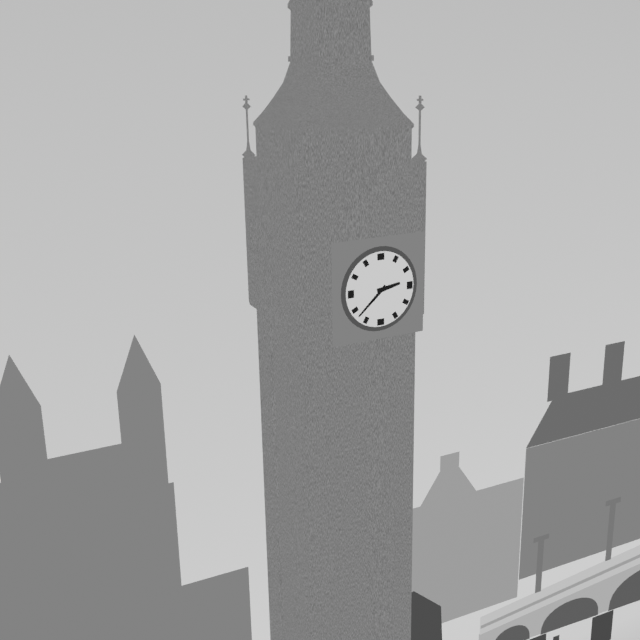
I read h=2 m=38
